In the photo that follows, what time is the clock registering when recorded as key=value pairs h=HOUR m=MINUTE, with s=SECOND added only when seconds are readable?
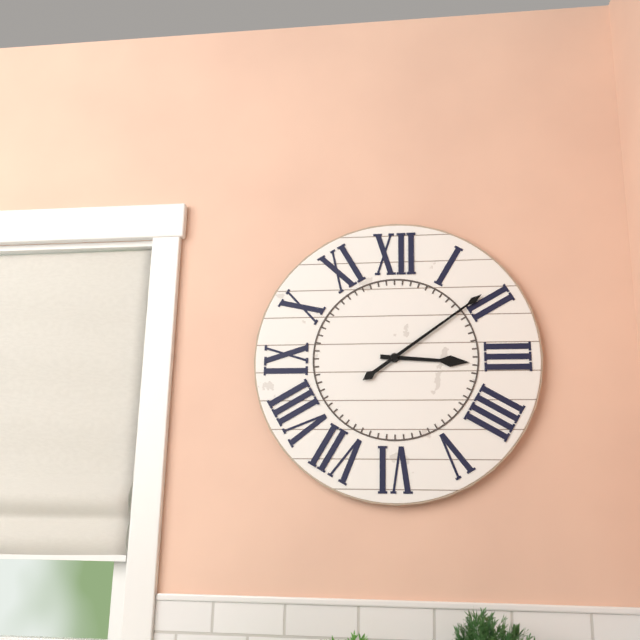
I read h=3 m=9
